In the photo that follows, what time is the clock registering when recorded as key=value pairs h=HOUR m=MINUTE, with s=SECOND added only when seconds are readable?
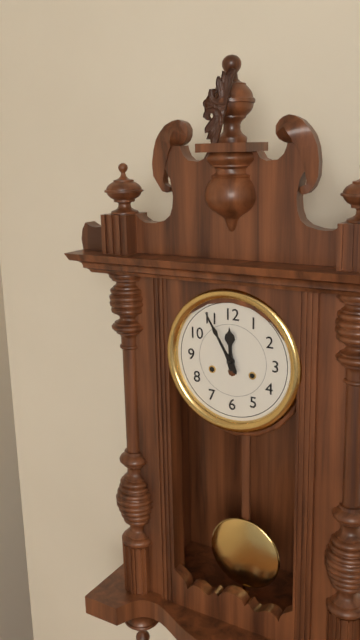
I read h=11 m=55
